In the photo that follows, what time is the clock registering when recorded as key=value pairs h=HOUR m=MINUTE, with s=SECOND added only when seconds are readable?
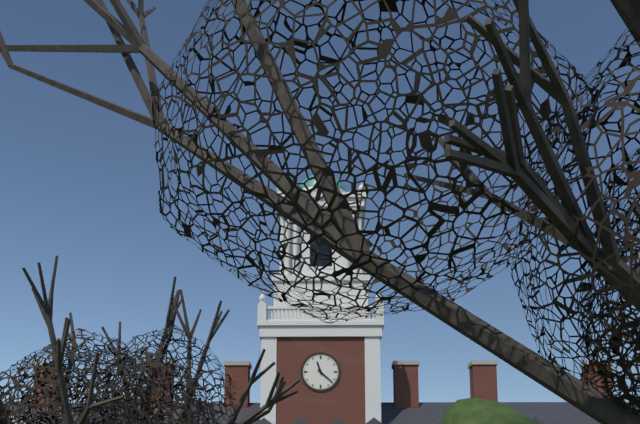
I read h=11 m=22
